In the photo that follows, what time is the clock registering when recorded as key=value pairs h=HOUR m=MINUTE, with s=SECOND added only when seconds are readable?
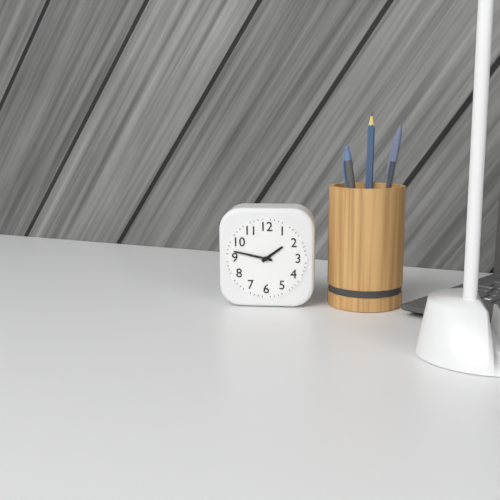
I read h=1 m=47
